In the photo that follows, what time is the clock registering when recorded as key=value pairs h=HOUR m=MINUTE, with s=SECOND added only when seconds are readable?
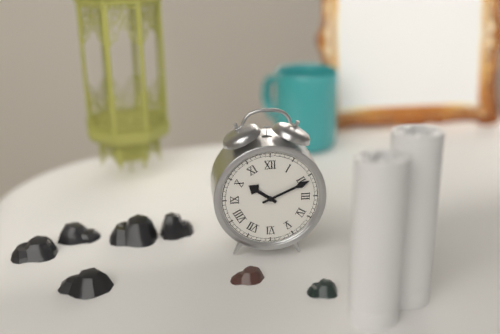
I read h=10 m=11
